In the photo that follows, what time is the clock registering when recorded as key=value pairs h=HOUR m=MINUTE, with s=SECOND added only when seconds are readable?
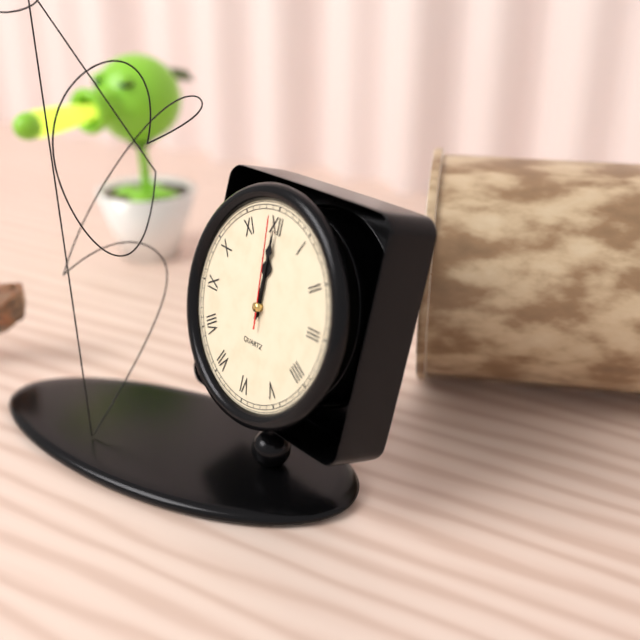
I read h=12 m=0 s=59
